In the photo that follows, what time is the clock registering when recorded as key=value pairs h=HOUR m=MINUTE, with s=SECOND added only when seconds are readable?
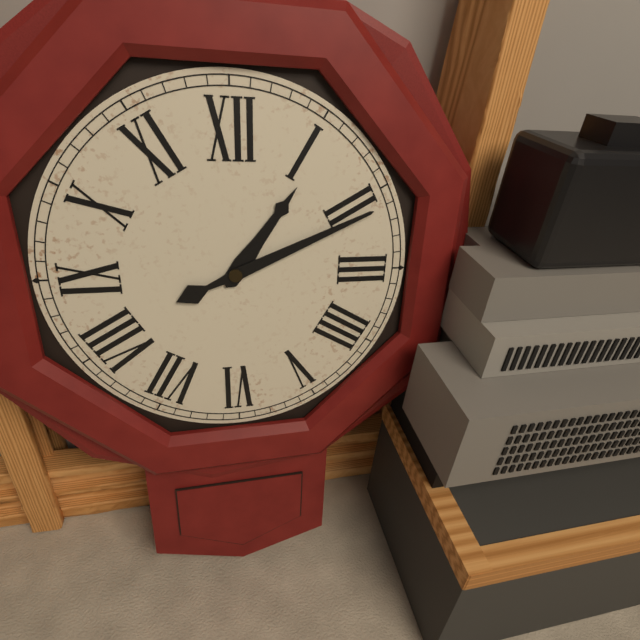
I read h=1 m=11
